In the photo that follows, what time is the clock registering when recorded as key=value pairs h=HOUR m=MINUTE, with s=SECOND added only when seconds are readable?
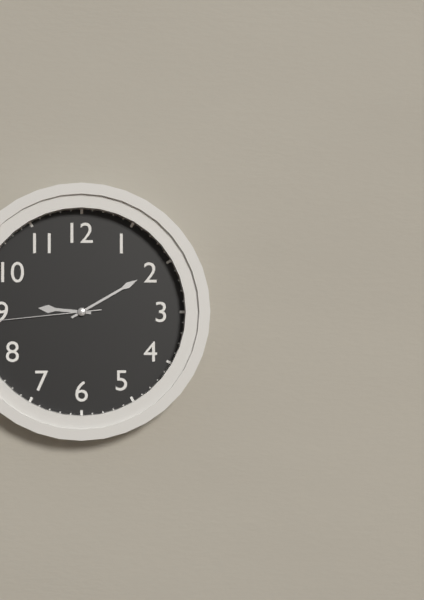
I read h=9 m=10
